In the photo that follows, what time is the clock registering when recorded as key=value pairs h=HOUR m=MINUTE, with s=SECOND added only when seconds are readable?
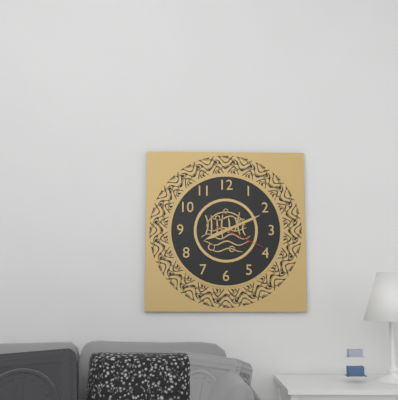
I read h=8 m=11 s=19
